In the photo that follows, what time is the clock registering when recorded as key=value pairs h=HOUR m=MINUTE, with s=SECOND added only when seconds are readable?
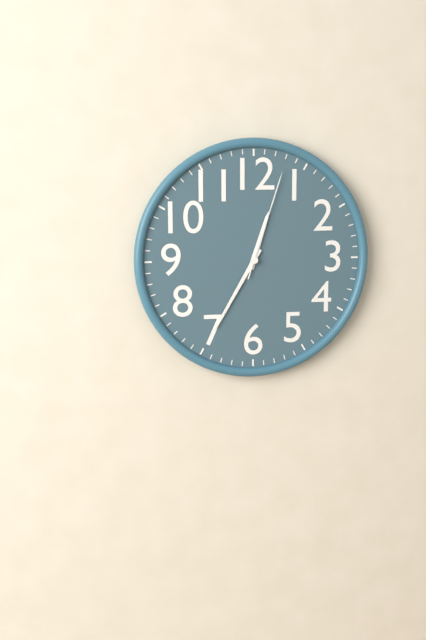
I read h=12 m=35 s=3
